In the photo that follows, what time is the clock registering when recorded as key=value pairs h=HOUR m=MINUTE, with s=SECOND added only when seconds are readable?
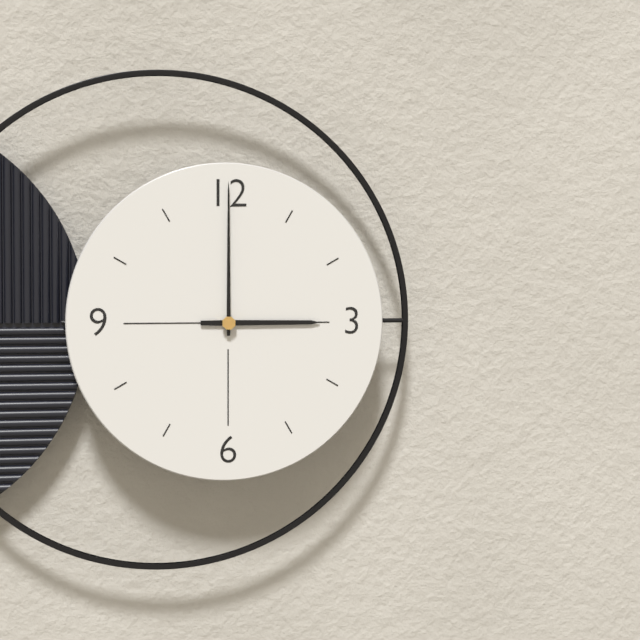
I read h=3 m=0
